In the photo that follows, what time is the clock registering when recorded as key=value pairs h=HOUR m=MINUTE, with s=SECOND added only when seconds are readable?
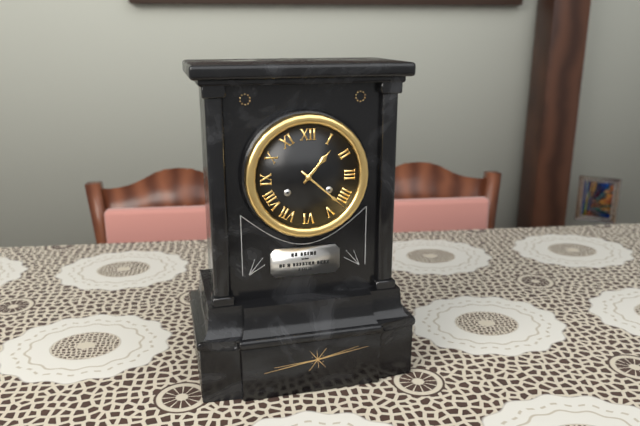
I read h=1 m=22
